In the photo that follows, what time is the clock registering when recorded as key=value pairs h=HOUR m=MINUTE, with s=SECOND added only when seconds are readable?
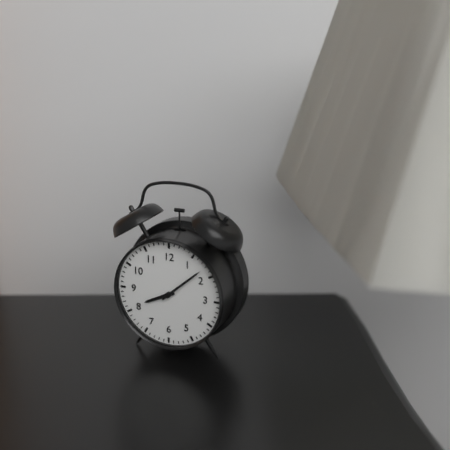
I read h=8 m=8
